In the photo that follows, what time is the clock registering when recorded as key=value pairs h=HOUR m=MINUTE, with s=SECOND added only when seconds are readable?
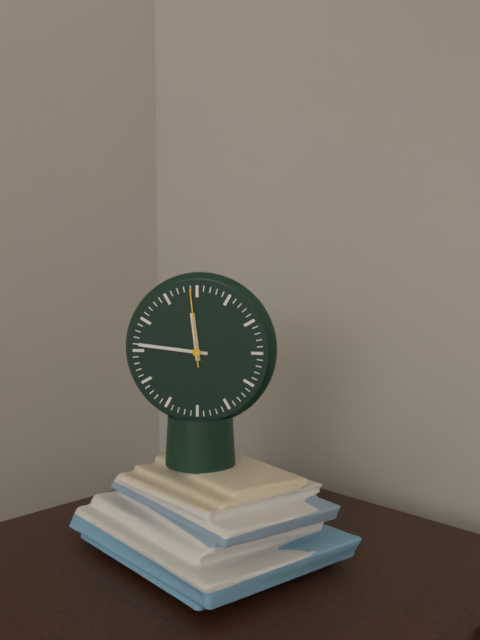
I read h=11 m=46 s=59
